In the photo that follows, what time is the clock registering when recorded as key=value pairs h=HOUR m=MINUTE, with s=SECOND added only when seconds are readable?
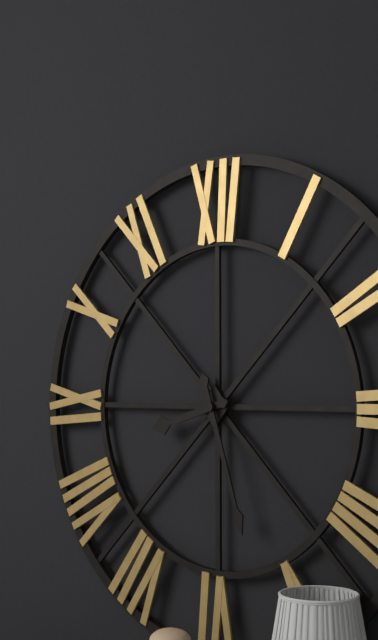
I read h=8 m=27
